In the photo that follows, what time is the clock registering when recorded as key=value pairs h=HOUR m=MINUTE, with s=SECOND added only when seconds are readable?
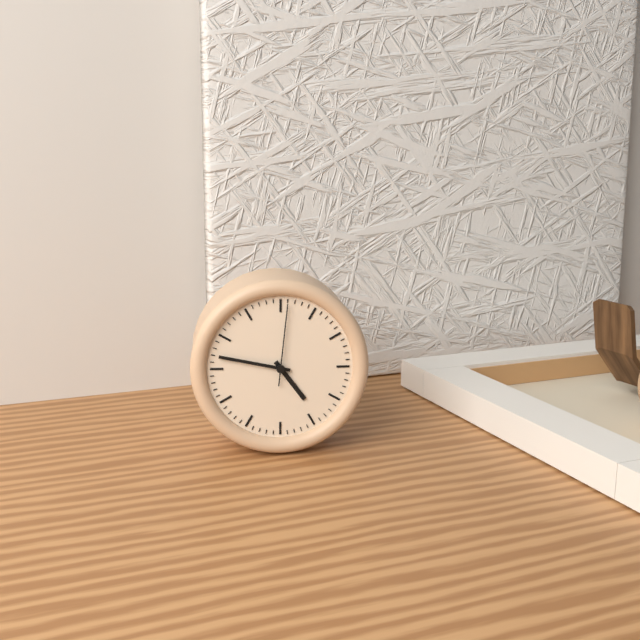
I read h=4 m=47 s=1
